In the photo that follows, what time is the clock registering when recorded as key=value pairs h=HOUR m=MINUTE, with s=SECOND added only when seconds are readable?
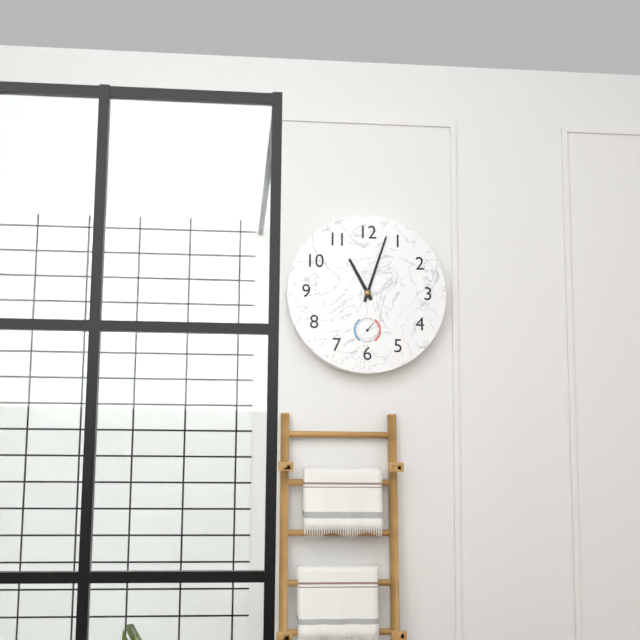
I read h=11 m=3
